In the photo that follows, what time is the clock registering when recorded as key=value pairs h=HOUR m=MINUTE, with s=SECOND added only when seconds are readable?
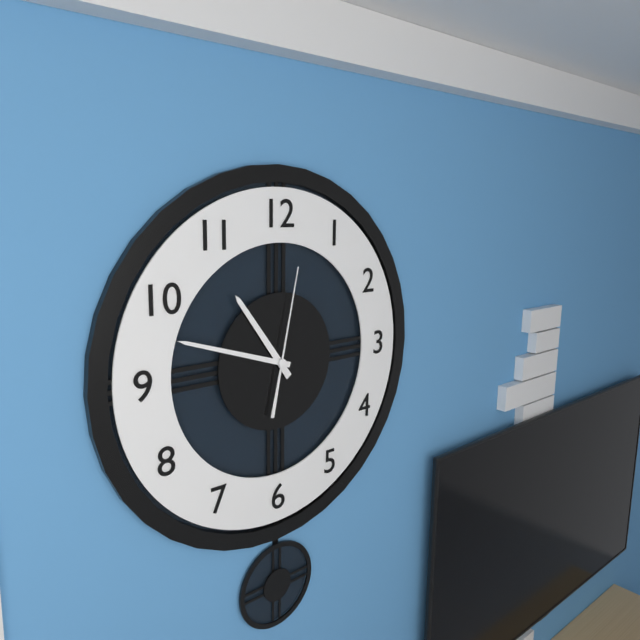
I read h=10 m=48 s=2
